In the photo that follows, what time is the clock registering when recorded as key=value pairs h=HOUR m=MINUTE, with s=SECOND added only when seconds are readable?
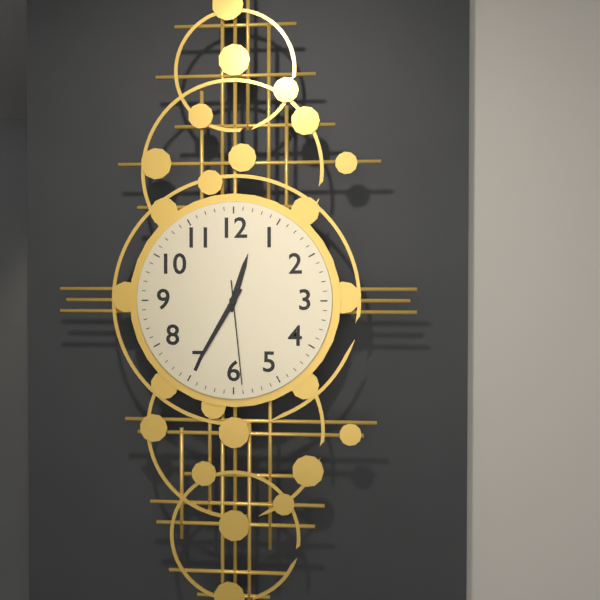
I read h=12 m=35 s=29
